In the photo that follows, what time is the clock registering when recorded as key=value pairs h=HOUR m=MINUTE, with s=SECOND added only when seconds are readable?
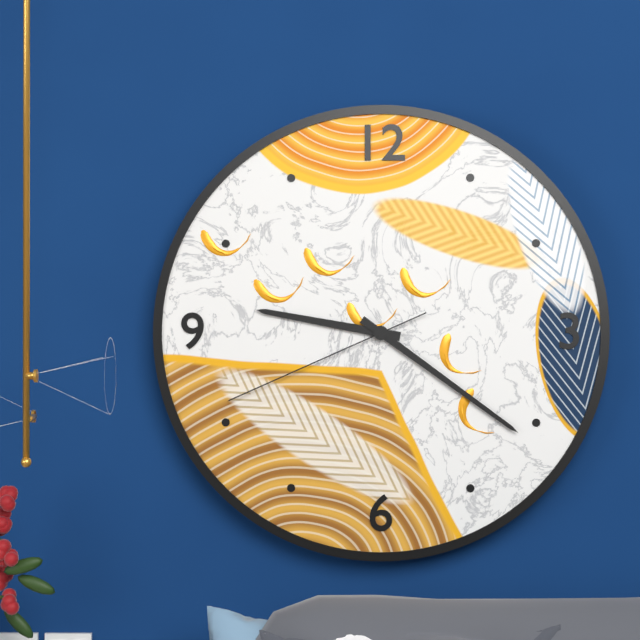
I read h=9 m=21 s=41
